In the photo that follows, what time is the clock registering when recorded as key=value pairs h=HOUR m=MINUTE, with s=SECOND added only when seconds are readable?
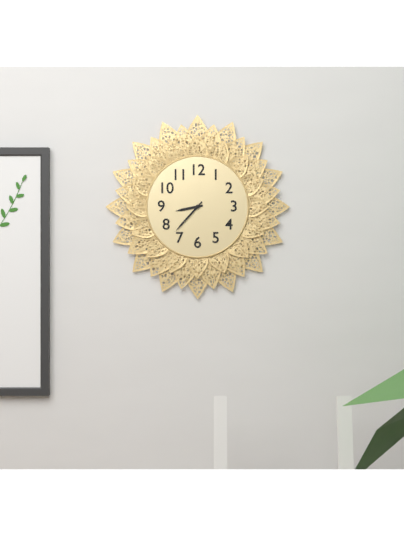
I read h=8 m=37
